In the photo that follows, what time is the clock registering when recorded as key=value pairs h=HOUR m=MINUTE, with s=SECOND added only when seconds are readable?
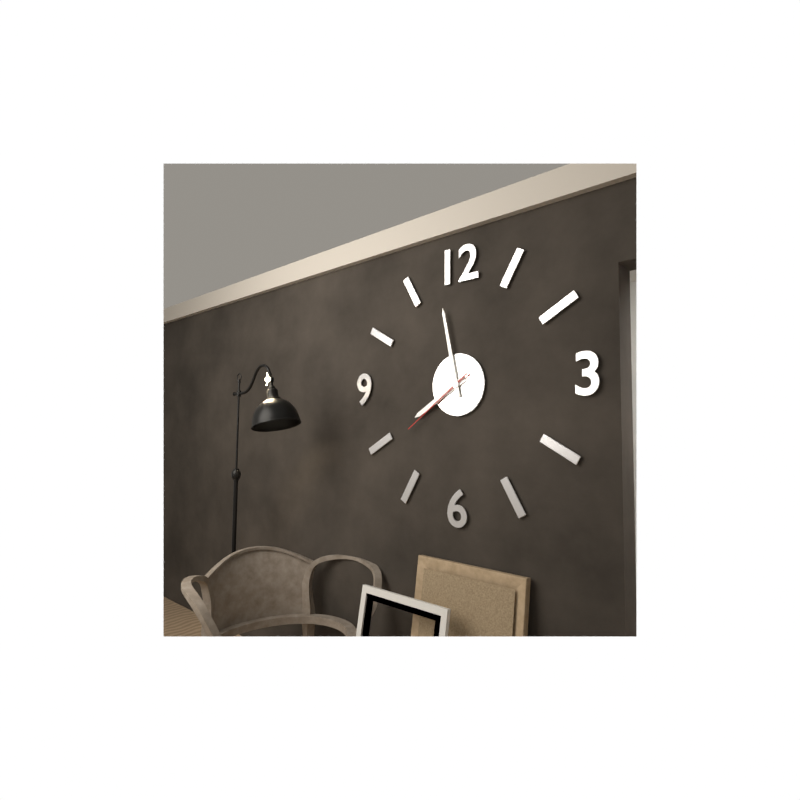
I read h=7 m=58 s=39
